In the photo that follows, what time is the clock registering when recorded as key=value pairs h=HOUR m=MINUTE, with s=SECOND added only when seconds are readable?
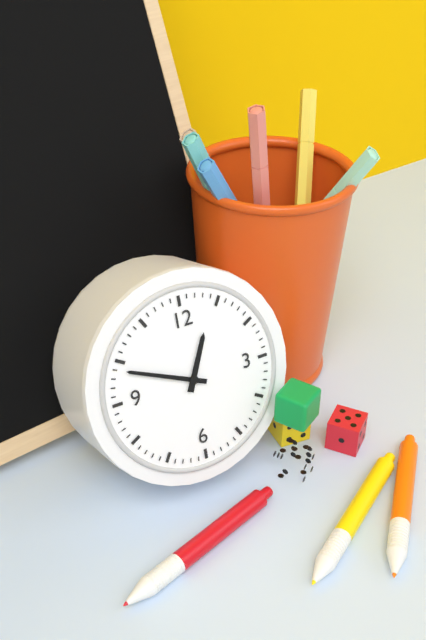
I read h=12 m=49
